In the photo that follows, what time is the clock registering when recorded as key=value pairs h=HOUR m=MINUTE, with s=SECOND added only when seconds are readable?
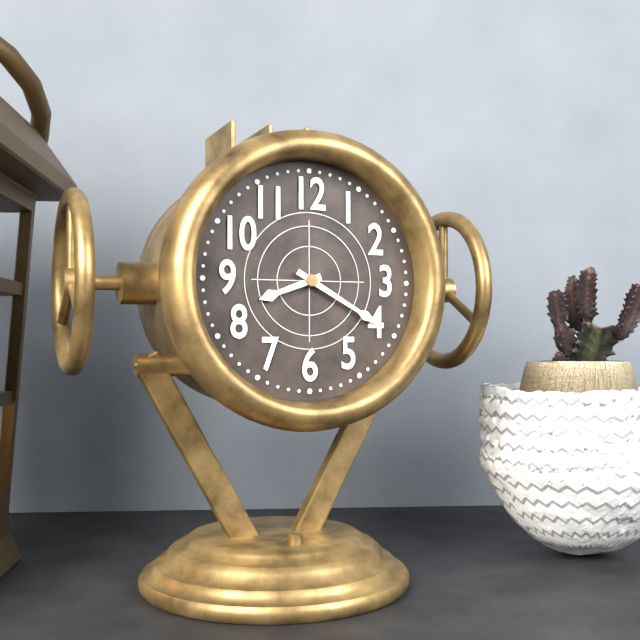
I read h=8 m=20
